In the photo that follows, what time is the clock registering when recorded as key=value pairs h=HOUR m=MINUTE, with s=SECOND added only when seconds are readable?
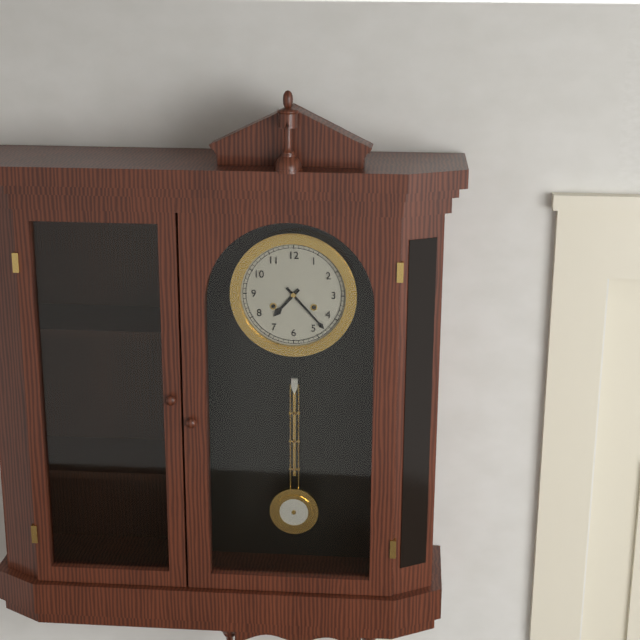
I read h=7 m=23
